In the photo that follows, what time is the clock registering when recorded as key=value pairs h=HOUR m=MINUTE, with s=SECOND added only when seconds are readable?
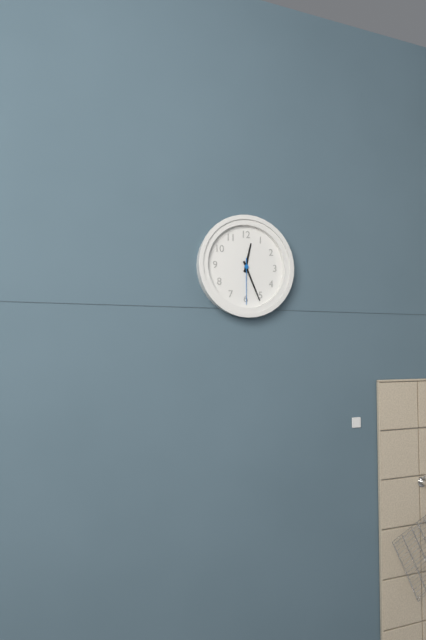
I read h=12 m=26
